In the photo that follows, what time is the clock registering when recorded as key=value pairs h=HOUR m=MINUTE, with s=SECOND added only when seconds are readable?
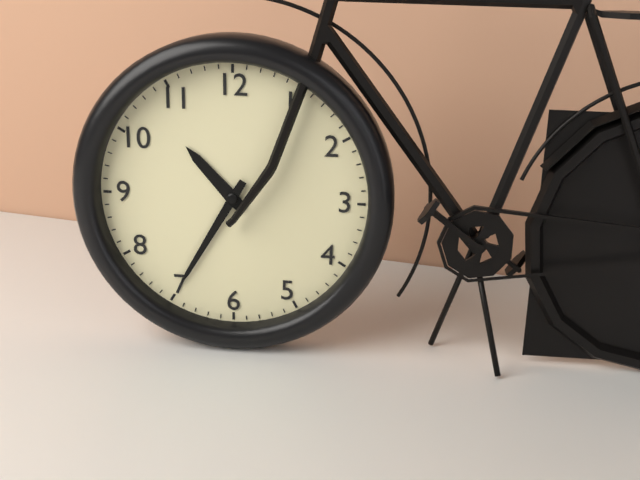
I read h=10 m=35
